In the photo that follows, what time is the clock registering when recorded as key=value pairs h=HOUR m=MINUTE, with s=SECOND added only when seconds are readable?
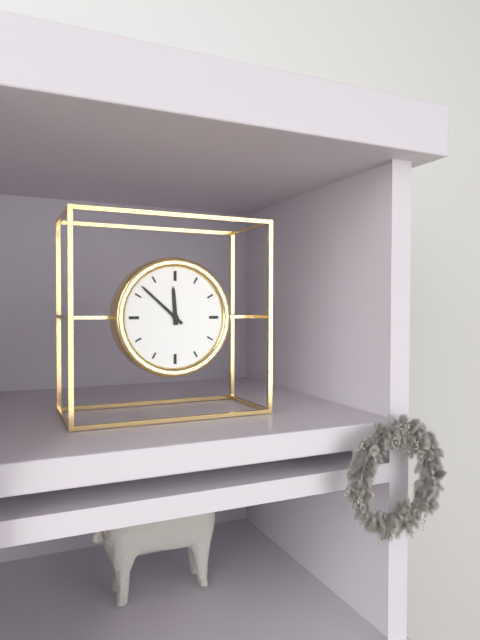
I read h=11 m=52
